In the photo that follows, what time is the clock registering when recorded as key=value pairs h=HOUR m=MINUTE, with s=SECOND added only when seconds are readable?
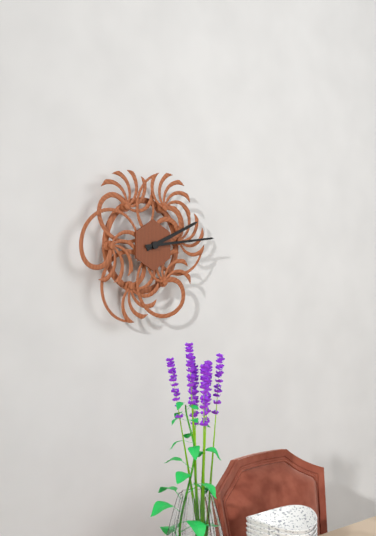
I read h=2 m=14
